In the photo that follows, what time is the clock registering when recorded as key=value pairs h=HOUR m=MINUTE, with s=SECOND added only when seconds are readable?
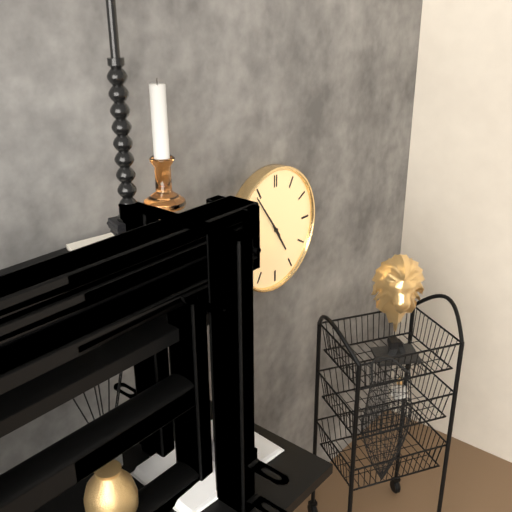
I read h=4 m=54
